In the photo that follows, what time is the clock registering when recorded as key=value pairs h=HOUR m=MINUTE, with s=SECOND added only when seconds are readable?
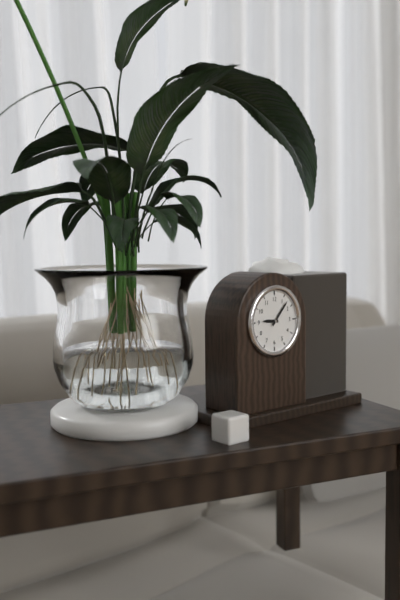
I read h=9 m=7
